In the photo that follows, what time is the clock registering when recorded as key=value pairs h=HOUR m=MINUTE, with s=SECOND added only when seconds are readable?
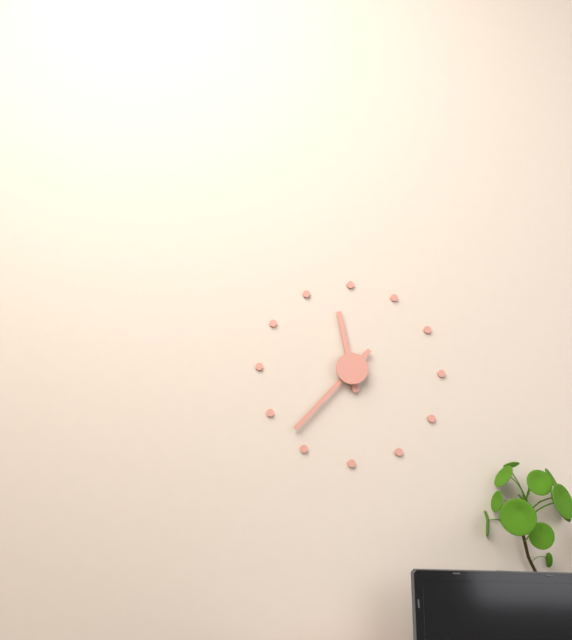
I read h=11 m=37
